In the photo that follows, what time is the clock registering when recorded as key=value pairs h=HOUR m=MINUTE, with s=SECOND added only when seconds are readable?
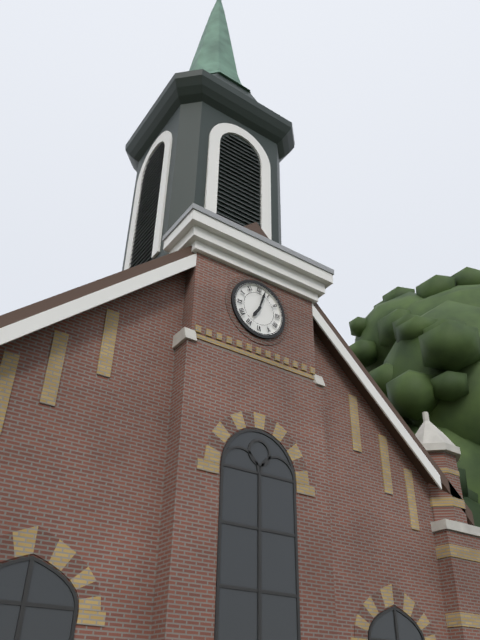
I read h=7 m=3
